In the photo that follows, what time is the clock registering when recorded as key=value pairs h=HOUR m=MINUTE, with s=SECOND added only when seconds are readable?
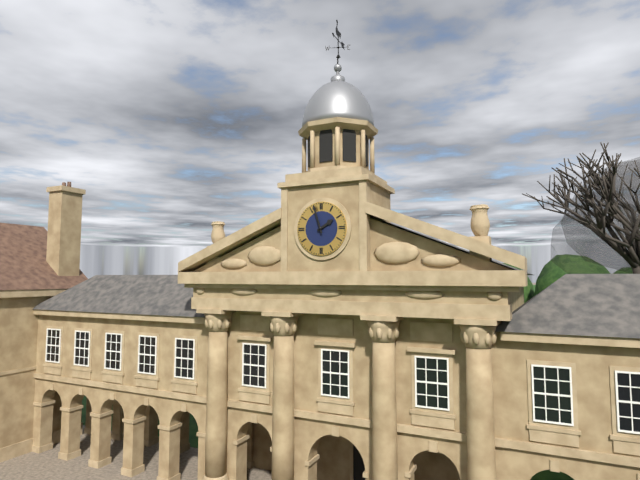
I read h=1 m=57
